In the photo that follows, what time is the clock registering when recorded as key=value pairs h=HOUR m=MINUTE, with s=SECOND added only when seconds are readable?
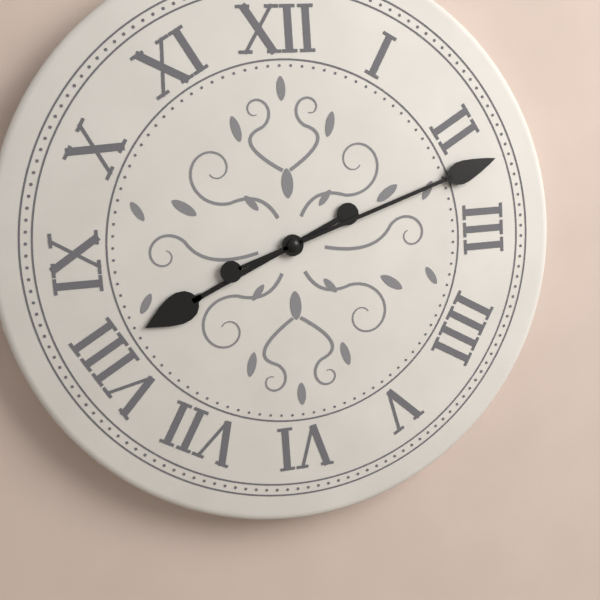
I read h=8 m=12
